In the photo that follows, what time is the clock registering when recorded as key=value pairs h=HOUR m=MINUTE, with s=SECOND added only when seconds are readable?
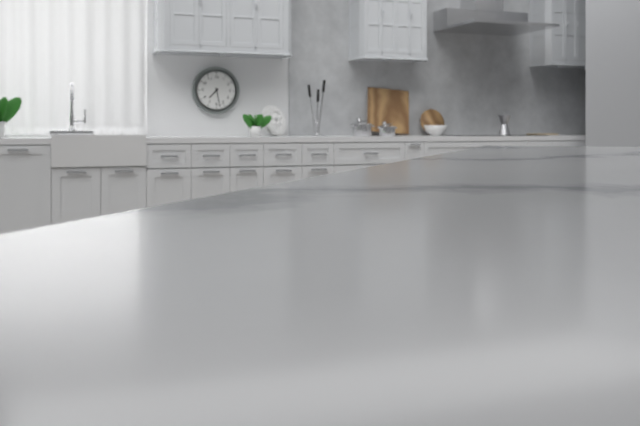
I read h=7 m=28
